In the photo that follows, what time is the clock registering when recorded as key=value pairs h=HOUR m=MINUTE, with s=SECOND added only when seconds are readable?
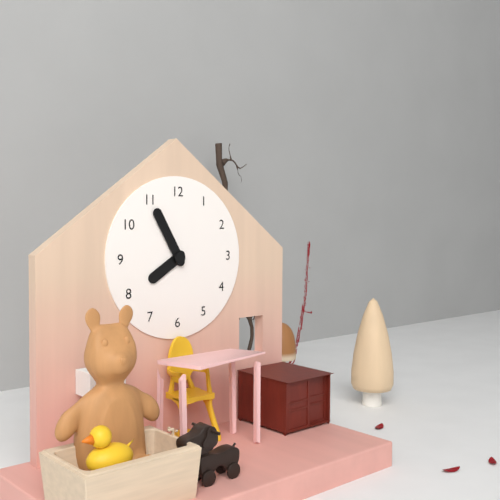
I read h=7 m=55
